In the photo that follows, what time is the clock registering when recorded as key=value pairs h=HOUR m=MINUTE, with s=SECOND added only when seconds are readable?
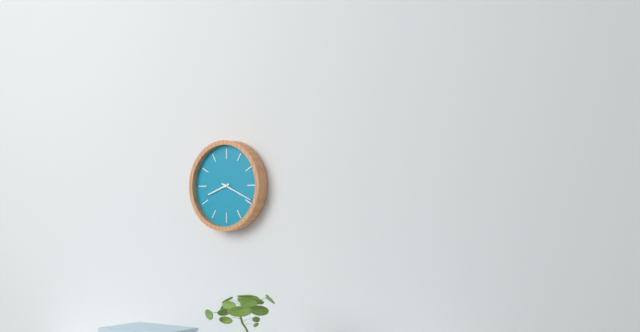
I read h=8 m=19
